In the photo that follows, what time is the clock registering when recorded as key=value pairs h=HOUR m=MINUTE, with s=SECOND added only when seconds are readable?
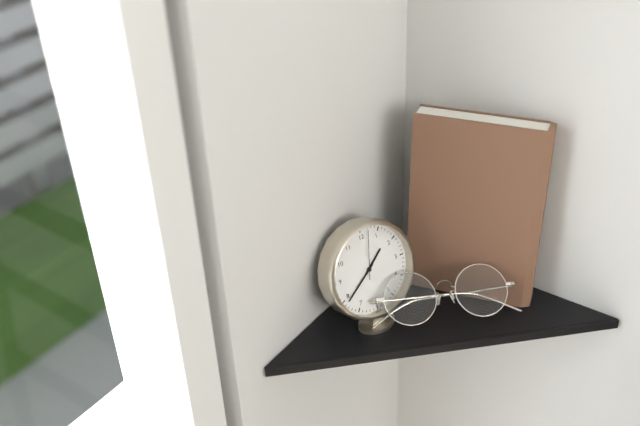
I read h=1 m=39
